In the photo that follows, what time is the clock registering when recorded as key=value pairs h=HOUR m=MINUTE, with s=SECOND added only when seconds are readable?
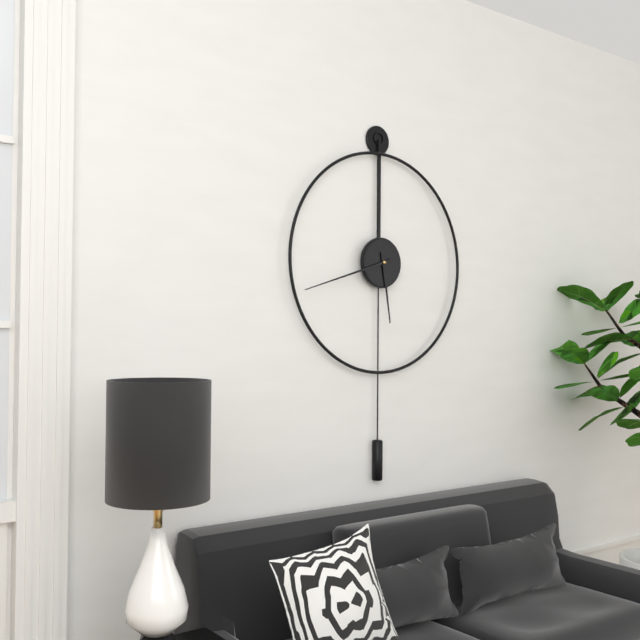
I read h=5 m=42
